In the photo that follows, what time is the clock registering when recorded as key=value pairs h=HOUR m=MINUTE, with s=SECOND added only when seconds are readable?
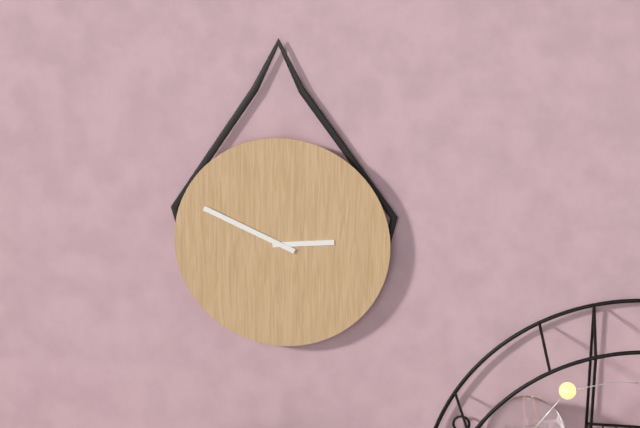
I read h=2 m=49
